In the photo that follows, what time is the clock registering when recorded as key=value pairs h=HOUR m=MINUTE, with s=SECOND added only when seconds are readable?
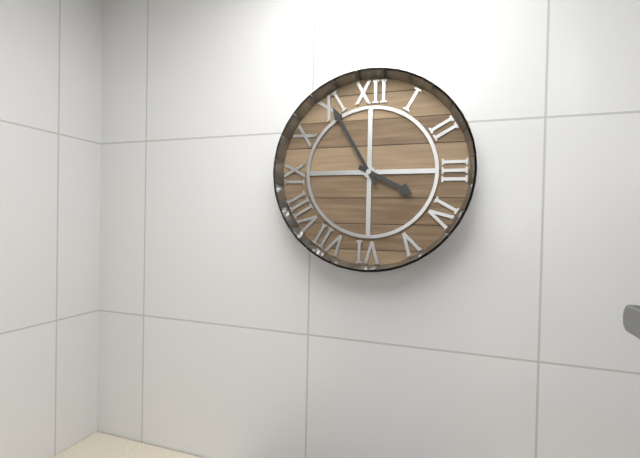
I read h=3 m=55
